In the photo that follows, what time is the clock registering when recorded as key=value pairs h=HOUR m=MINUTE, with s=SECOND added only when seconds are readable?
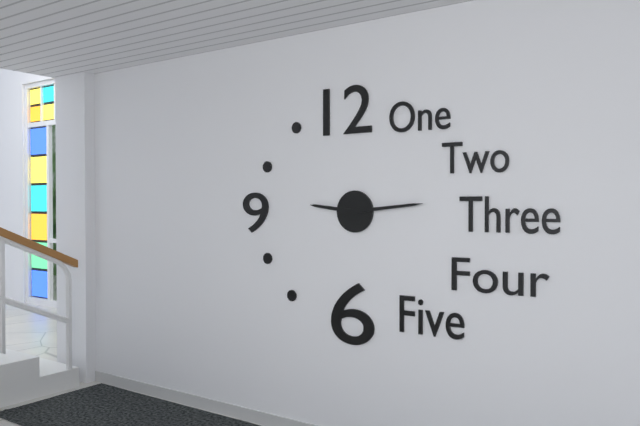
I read h=9 m=14
